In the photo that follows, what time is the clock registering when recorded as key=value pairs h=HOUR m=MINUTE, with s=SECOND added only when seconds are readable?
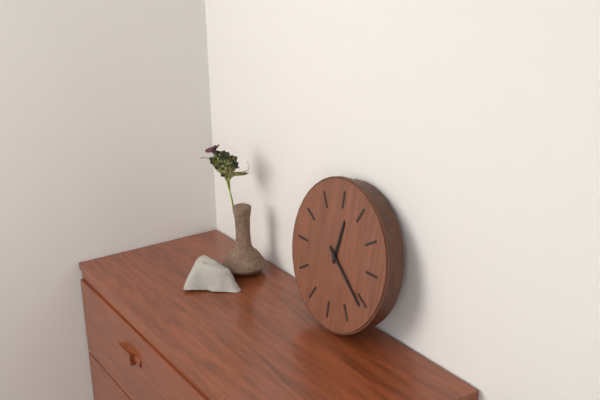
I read h=12 m=21
